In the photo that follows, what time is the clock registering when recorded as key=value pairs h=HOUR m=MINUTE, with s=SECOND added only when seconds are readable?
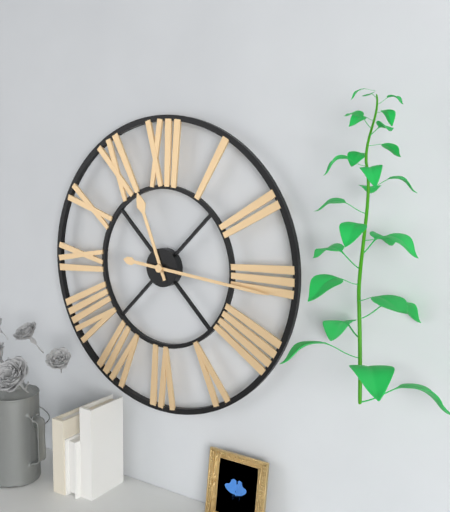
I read h=11 m=16
